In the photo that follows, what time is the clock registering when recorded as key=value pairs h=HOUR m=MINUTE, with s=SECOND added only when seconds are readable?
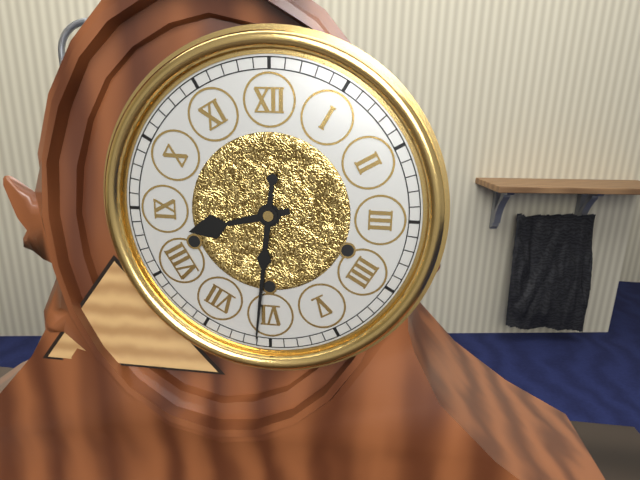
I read h=8 m=31
